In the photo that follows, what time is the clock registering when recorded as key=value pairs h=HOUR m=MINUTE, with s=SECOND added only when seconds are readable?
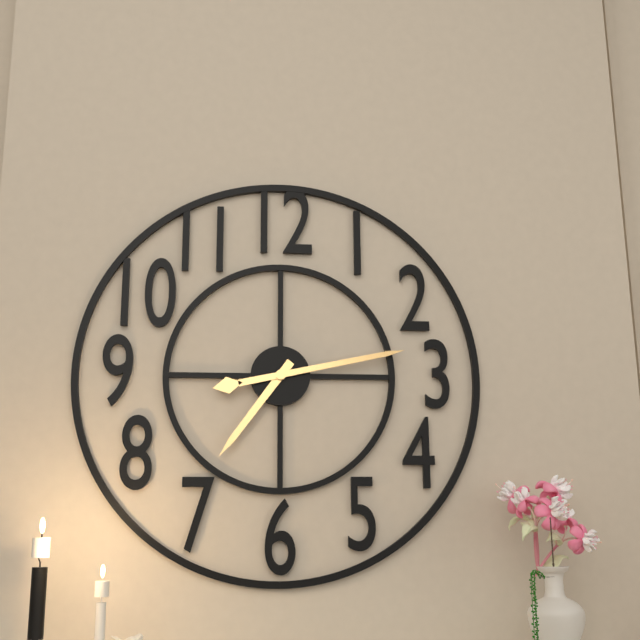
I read h=7 m=13
